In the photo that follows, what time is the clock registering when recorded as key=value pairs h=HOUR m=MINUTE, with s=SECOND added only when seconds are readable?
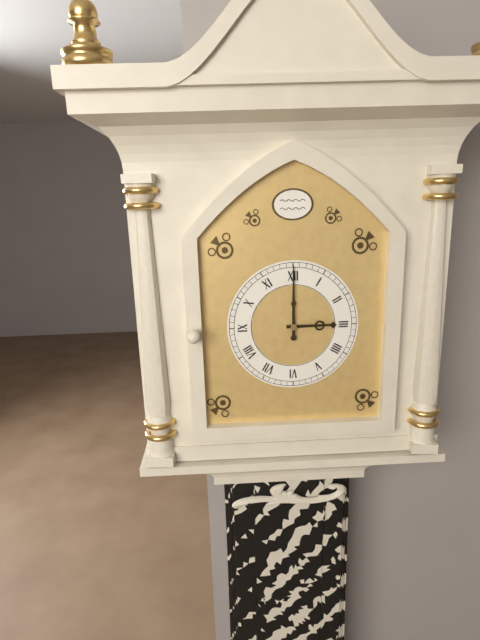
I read h=3 m=0
